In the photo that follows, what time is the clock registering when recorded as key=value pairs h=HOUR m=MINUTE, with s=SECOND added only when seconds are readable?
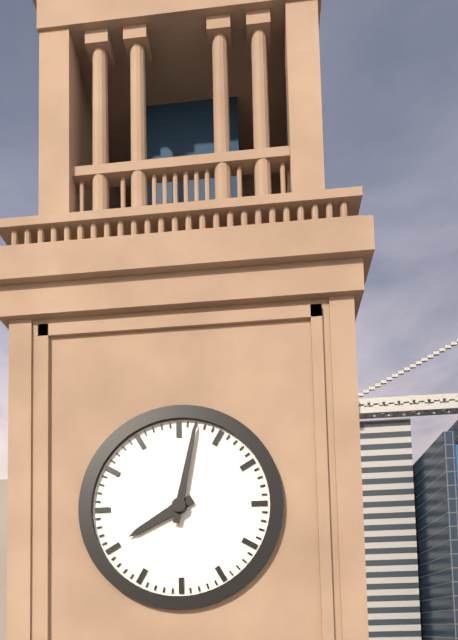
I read h=8 m=2
